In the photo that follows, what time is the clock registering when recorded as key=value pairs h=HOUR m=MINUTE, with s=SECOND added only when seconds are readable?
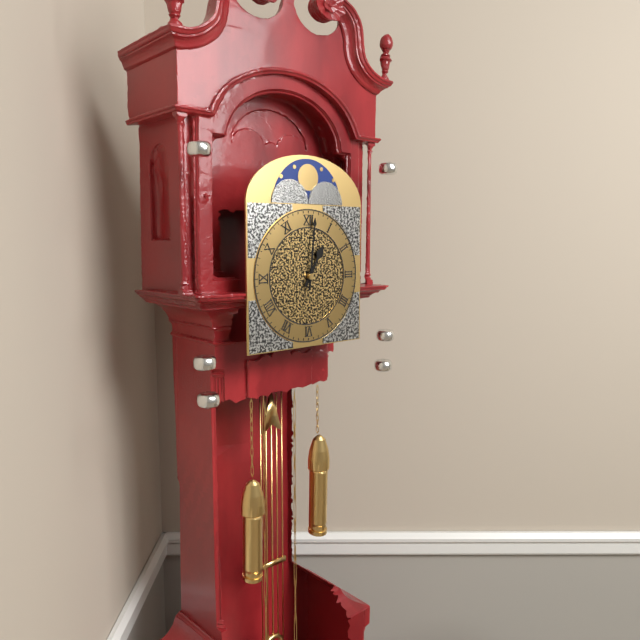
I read h=1 m=1
